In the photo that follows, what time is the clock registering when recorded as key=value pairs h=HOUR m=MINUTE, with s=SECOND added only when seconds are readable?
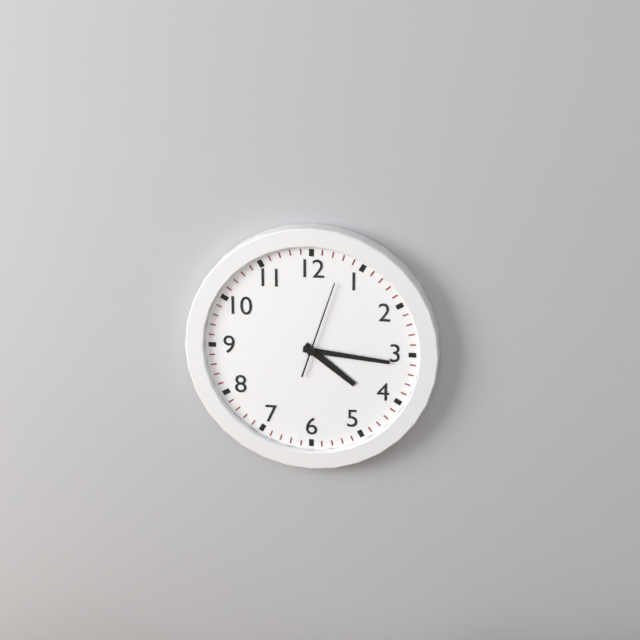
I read h=4 m=16 s=3
